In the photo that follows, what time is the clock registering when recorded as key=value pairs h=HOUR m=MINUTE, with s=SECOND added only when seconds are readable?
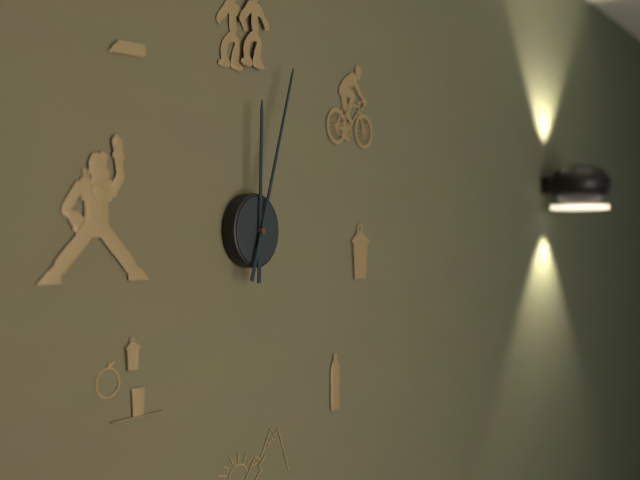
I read h=12 m=3
